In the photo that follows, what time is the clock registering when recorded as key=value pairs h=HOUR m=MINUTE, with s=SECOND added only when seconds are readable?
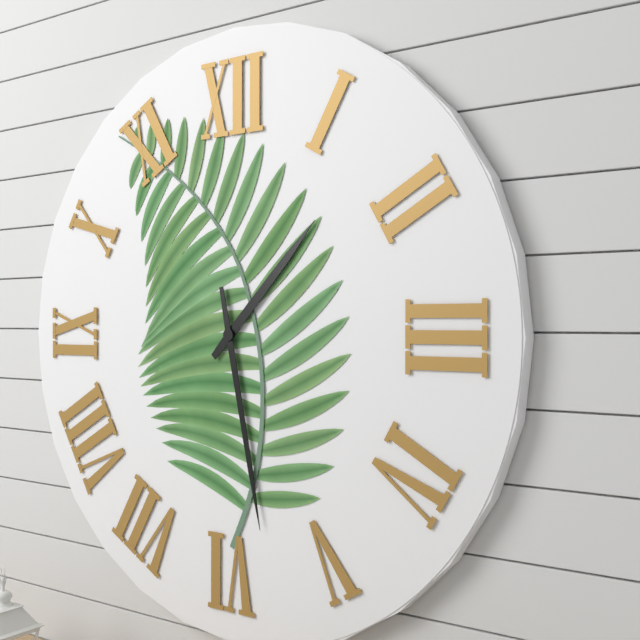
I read h=1 m=28
